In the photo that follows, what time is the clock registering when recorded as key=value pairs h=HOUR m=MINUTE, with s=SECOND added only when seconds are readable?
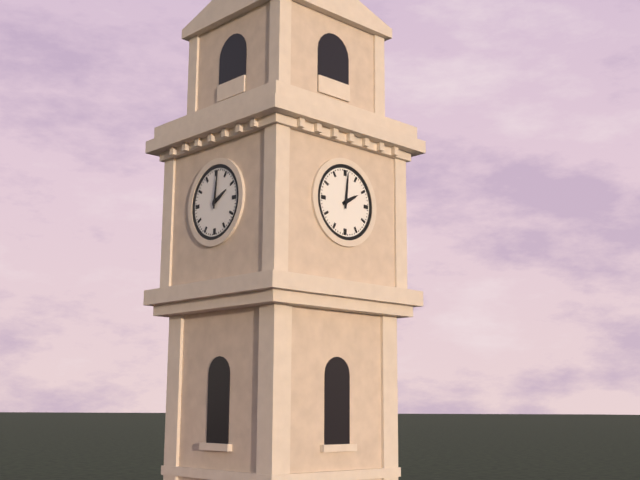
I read h=2 m=1
